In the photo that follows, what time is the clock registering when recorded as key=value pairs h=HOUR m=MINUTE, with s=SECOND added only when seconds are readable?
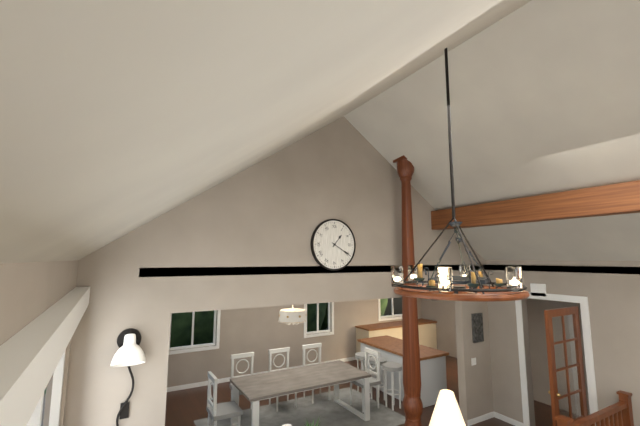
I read h=1 m=20
